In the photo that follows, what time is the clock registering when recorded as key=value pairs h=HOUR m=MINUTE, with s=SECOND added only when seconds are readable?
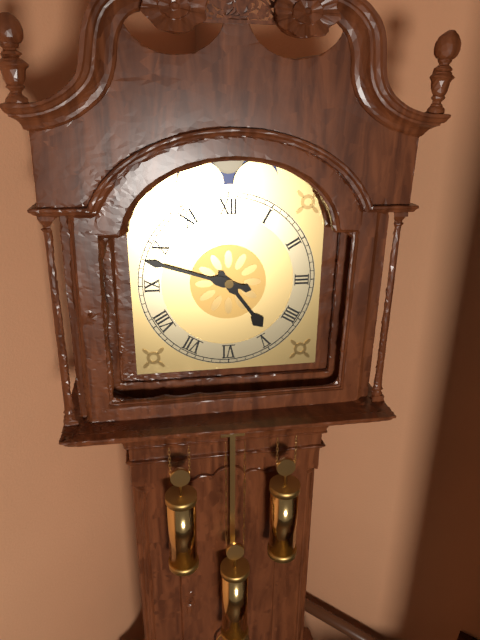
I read h=4 m=48
